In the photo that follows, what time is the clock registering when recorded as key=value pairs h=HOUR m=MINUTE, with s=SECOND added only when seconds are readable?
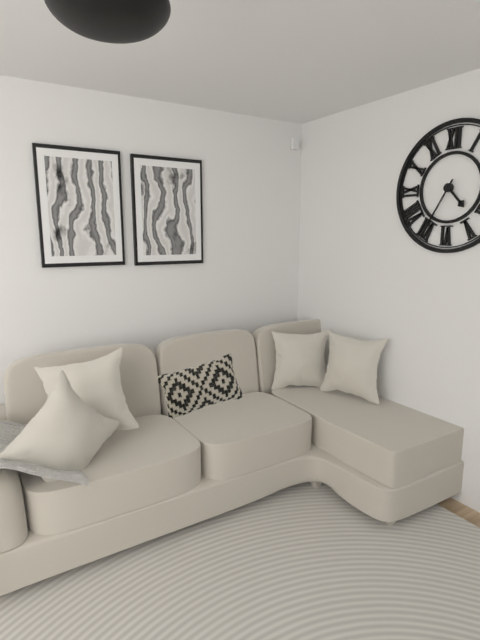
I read h=4 m=35
